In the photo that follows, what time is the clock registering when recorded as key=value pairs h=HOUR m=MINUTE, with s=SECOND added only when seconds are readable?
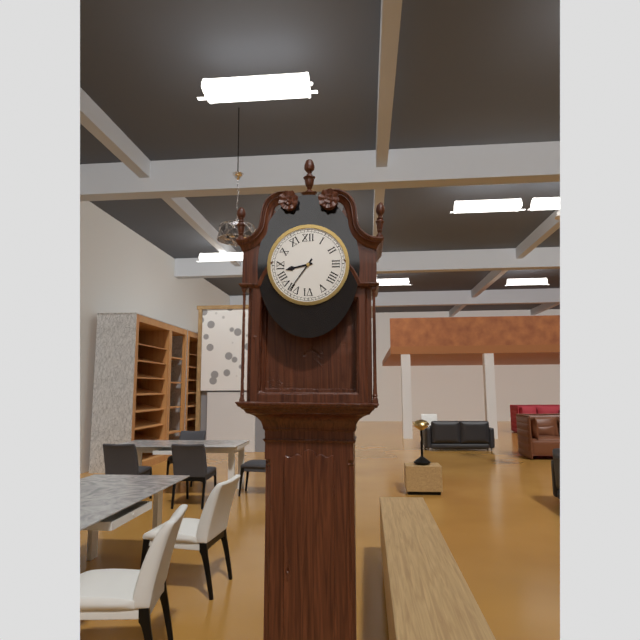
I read h=8 m=36
